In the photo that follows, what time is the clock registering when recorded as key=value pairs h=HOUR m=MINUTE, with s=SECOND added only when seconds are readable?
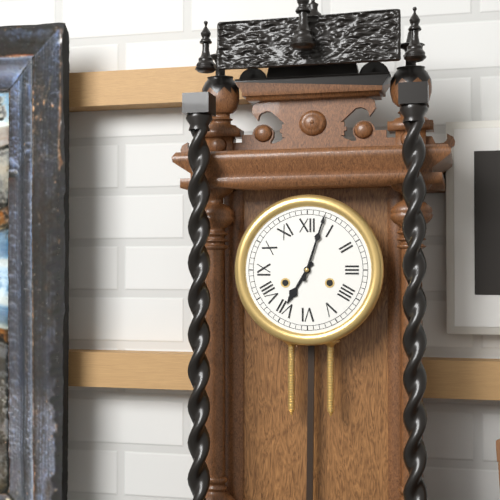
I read h=7 m=3
